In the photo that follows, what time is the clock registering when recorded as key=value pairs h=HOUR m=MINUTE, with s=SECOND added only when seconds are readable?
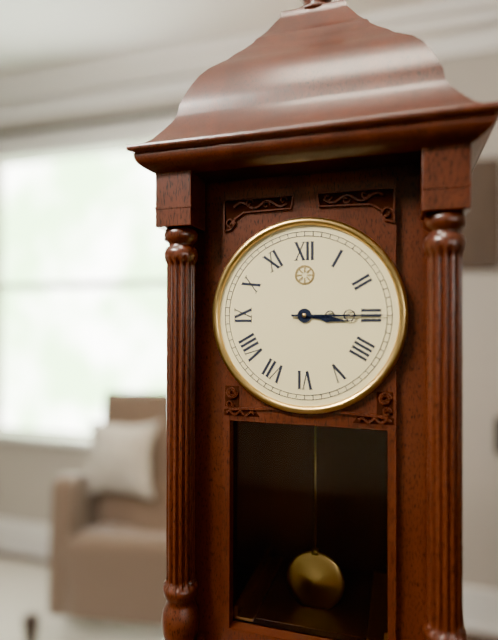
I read h=3 m=15
